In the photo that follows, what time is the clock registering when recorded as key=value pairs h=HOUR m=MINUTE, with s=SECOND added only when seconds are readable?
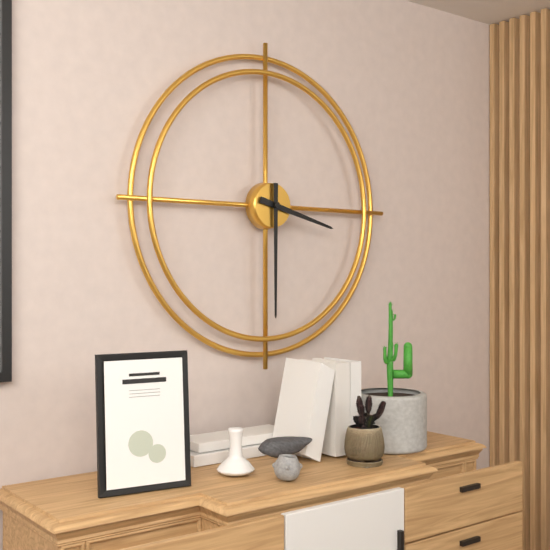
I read h=3 m=30
